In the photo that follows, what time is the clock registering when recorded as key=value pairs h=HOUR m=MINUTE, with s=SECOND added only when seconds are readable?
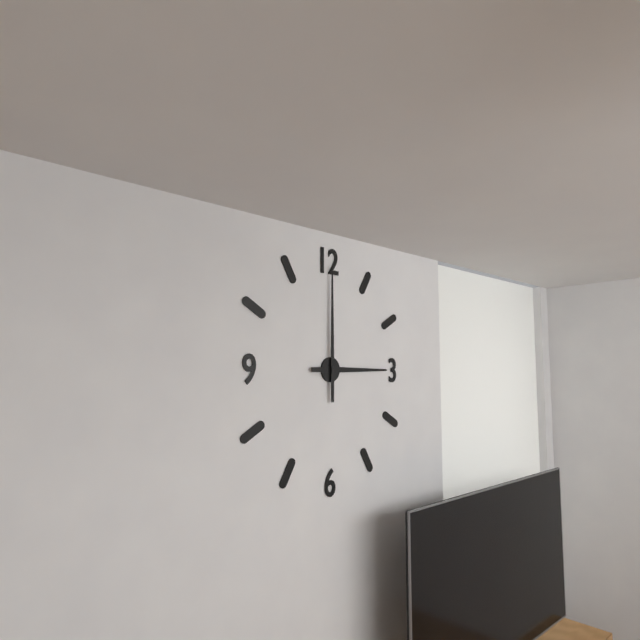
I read h=3 m=0
